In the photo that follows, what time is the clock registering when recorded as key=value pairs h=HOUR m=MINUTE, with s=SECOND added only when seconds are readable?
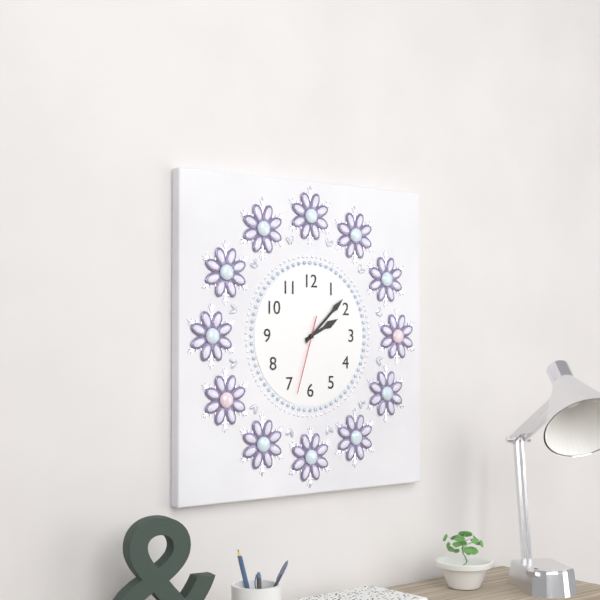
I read h=2 m=8 s=33
